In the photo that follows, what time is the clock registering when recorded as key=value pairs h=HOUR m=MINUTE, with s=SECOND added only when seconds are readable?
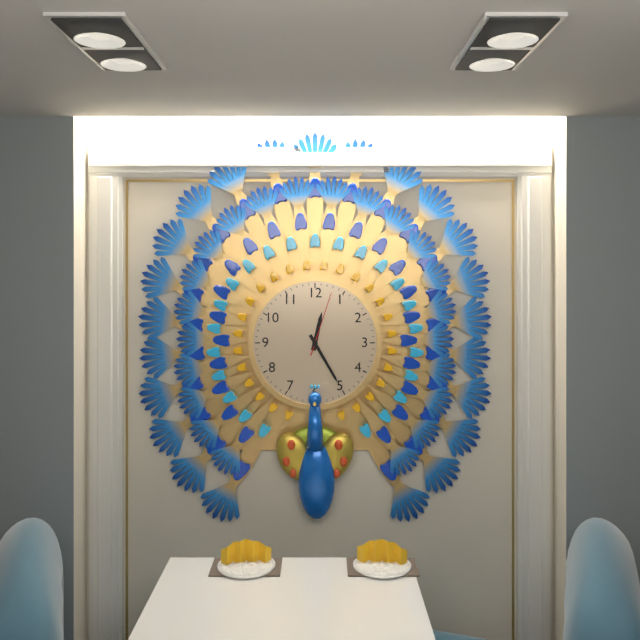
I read h=12 m=25 s=3
